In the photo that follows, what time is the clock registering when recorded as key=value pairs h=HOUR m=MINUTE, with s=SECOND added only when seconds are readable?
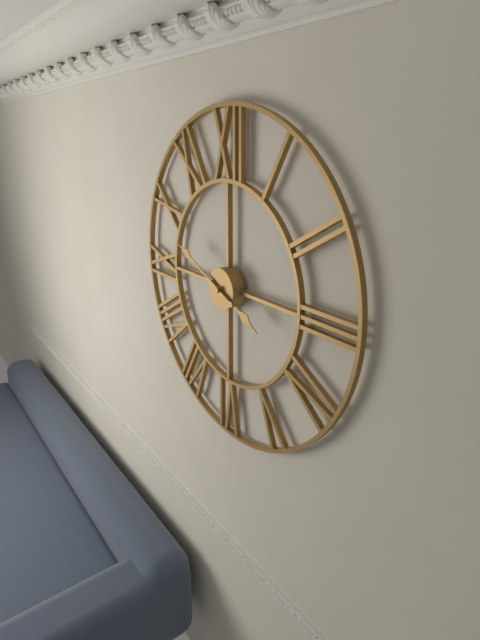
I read h=3 m=49
